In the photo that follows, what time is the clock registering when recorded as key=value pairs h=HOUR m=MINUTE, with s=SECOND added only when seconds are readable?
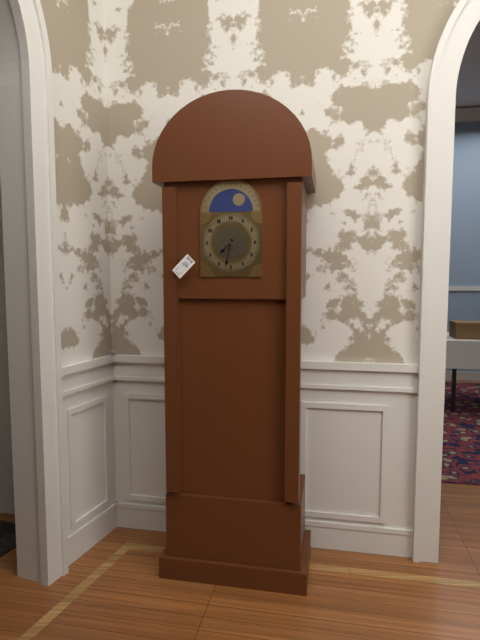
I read h=7 m=32
